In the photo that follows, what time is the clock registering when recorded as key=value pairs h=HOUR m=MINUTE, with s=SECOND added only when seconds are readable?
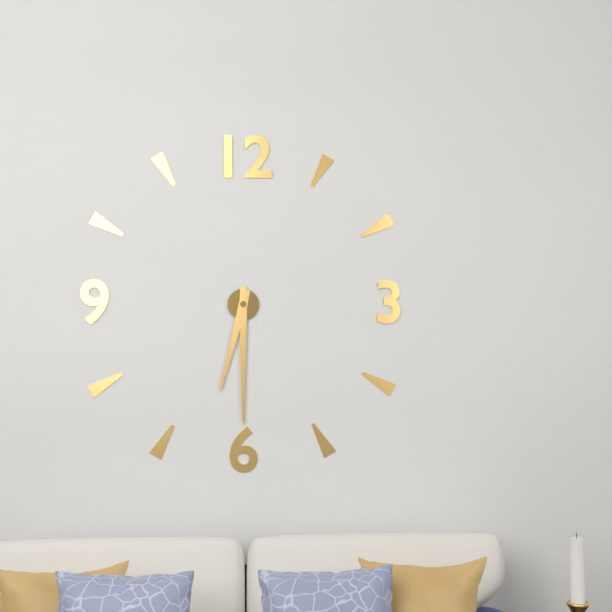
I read h=6 m=30
